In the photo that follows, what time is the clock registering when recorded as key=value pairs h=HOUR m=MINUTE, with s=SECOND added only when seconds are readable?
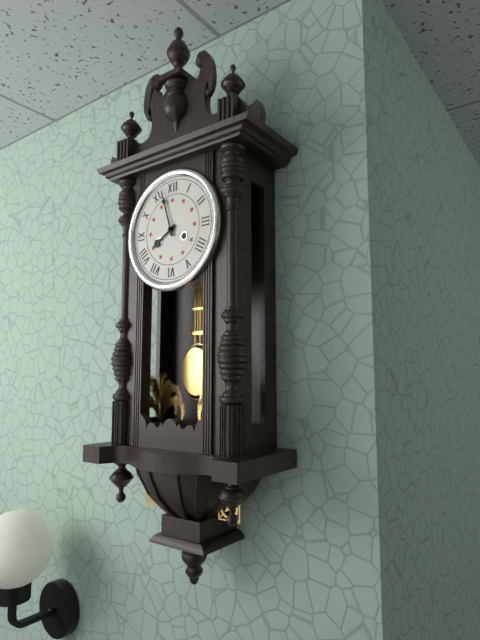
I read h=7 m=57
